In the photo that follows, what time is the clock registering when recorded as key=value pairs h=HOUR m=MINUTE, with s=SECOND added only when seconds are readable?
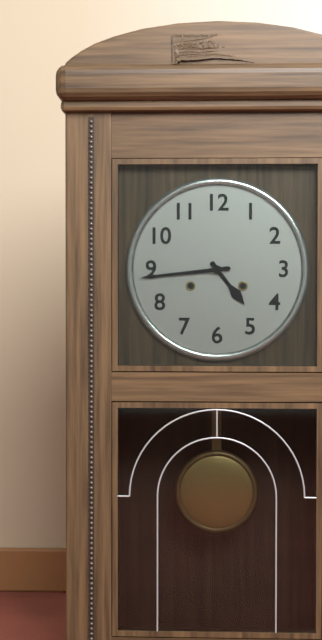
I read h=4 m=44
